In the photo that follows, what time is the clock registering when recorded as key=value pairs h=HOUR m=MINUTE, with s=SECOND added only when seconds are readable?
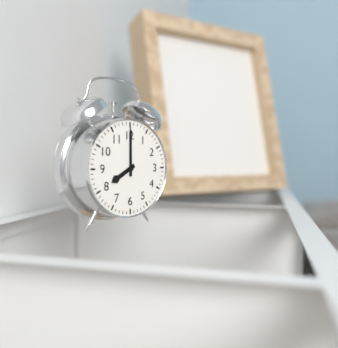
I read h=8 m=0
